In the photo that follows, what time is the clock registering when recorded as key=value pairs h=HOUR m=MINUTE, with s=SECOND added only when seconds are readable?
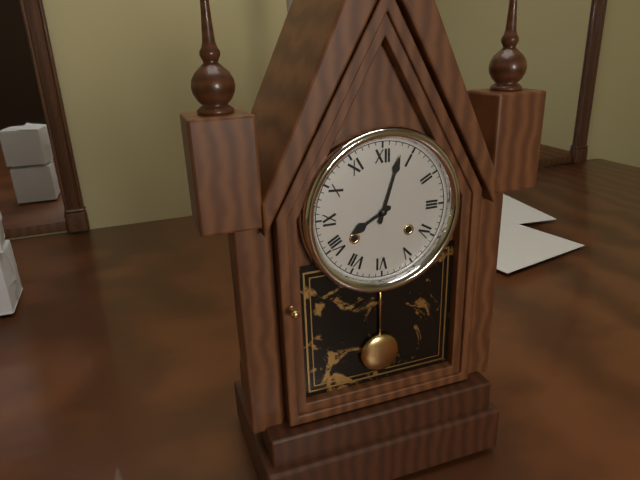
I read h=8 m=3
